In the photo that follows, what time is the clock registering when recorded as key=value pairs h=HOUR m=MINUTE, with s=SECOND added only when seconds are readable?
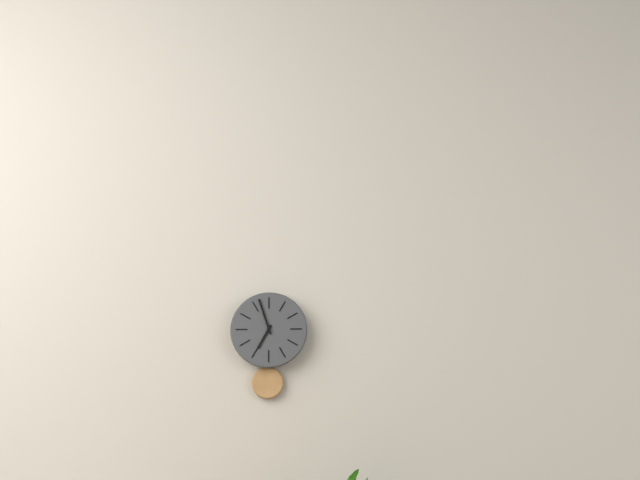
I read h=6 m=57
